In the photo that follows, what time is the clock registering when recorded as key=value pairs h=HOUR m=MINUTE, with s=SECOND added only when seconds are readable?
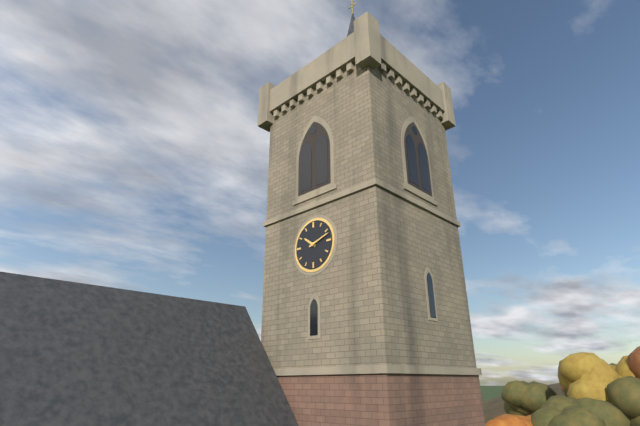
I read h=10 m=12
